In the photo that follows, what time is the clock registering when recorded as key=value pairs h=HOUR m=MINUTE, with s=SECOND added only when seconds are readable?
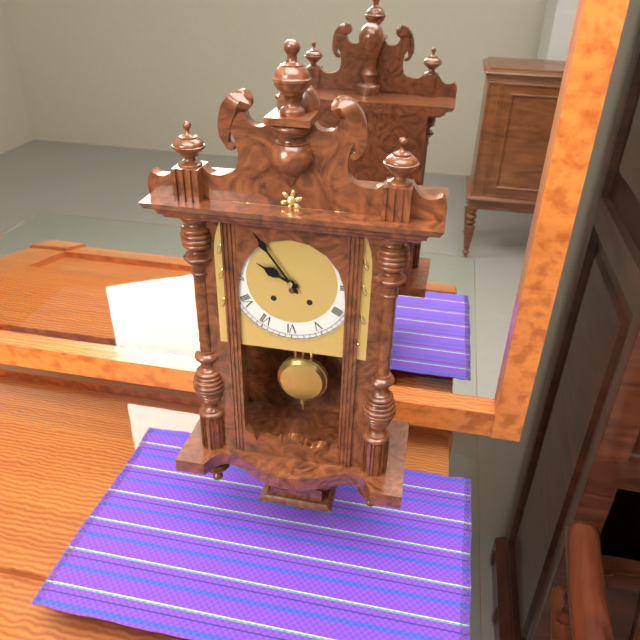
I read h=9 m=54
